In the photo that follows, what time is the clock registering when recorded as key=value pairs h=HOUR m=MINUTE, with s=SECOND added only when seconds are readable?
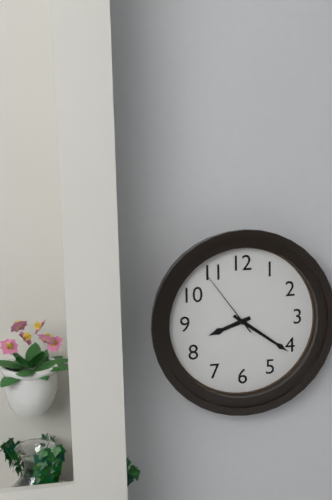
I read h=8 m=21 s=54
